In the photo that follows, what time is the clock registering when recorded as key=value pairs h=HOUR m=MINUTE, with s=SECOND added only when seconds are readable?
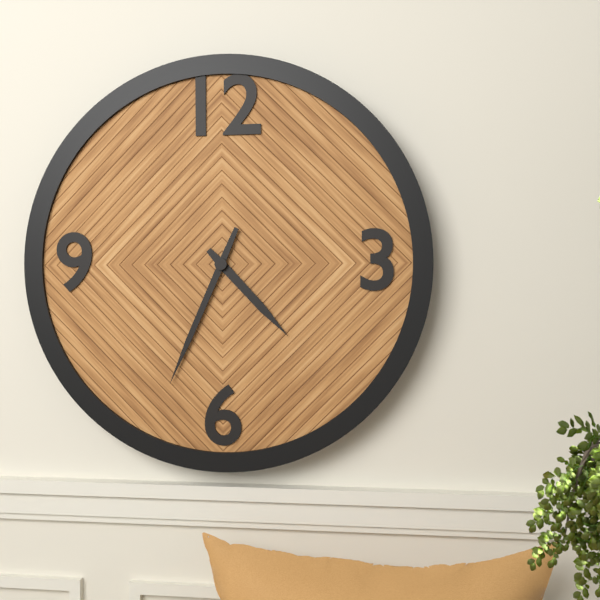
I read h=4 m=34
